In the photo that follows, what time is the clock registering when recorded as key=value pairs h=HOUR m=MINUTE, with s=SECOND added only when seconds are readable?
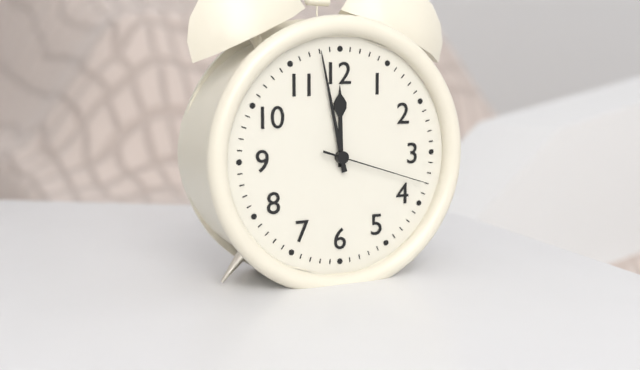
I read h=11 m=58 s=18
